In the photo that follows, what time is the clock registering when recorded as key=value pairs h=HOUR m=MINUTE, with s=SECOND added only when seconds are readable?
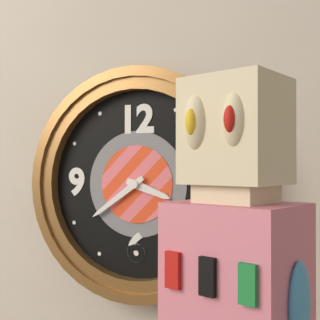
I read h=3 m=39
